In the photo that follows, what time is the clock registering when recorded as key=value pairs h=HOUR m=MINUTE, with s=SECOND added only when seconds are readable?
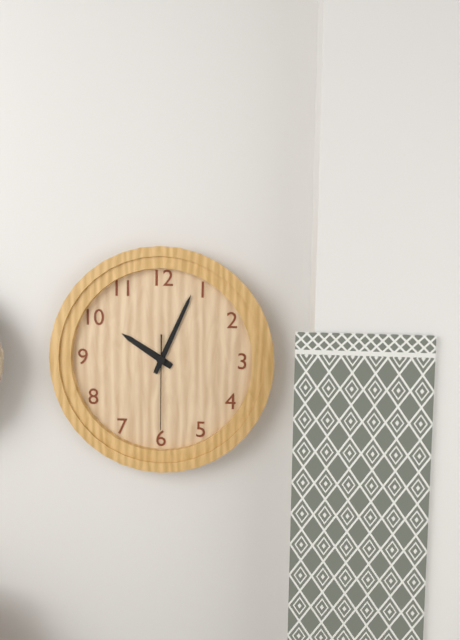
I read h=10 m=4 s=30
